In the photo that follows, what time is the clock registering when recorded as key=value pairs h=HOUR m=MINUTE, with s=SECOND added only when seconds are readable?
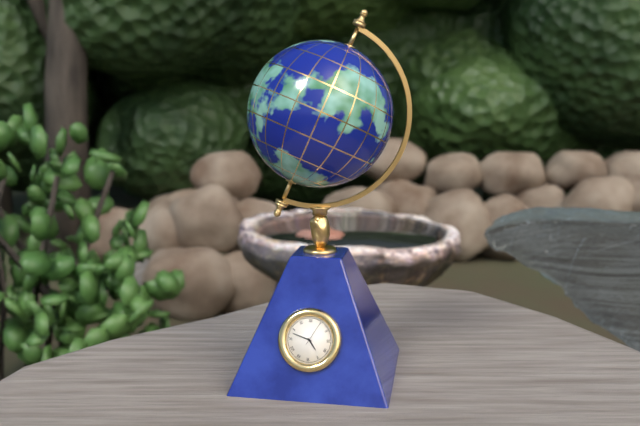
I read h=4 m=48
